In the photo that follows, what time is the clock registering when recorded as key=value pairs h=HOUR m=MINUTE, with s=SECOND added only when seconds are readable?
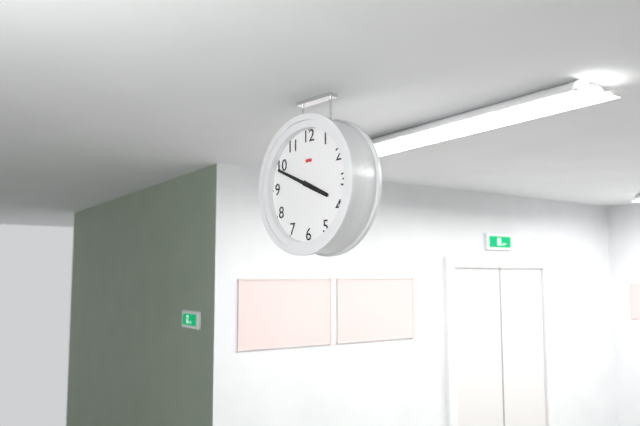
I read h=3 m=49
